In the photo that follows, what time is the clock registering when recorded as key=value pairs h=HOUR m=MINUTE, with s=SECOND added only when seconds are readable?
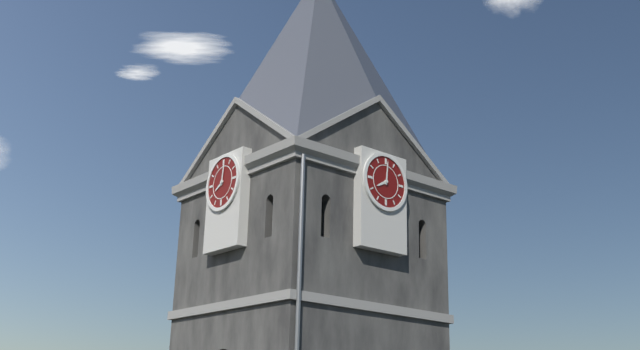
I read h=8 m=1
